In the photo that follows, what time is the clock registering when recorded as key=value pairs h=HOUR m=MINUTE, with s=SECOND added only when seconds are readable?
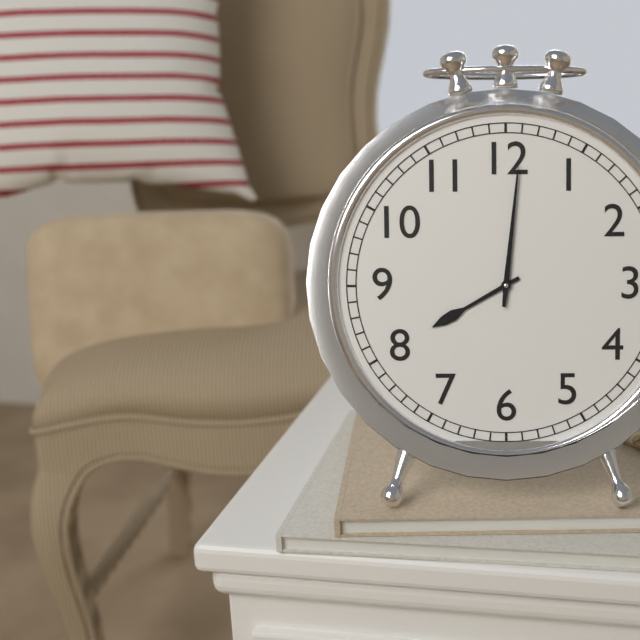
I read h=8 m=1
